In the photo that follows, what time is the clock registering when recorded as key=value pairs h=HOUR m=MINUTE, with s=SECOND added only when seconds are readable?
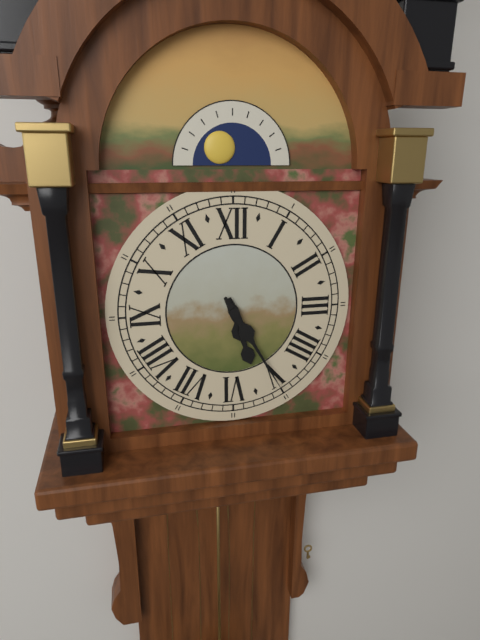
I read h=5 m=25
